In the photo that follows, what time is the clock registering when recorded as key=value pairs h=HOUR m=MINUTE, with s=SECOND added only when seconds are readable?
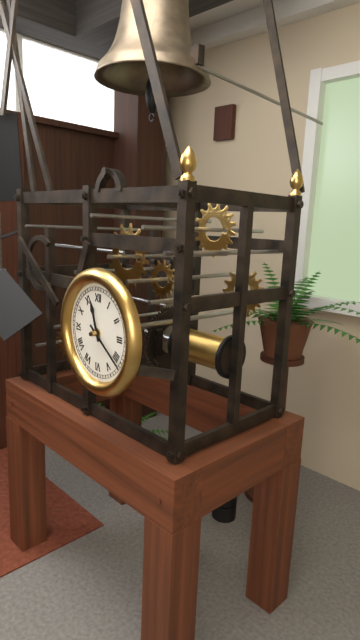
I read h=11 m=21
